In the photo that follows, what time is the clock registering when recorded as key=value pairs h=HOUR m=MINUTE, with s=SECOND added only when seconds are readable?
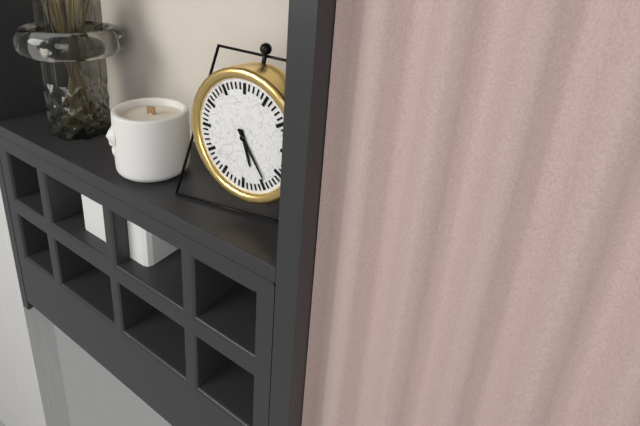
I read h=5 m=24
